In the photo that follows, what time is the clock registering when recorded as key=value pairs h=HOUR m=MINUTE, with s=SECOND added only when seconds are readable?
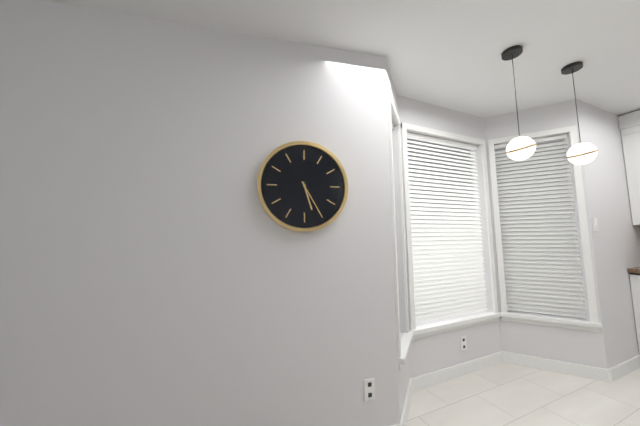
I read h=5 m=25
